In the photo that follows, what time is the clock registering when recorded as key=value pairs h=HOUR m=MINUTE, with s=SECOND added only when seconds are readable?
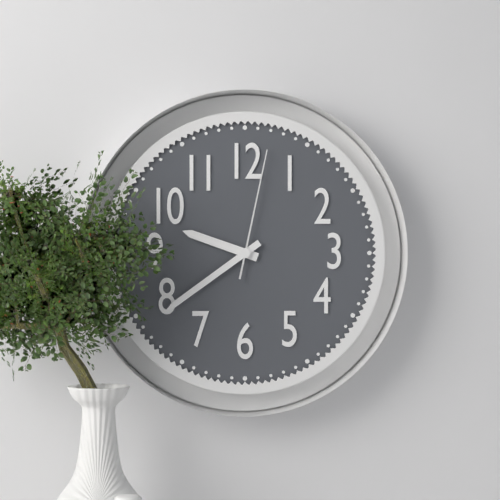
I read h=9 m=39 s=2
